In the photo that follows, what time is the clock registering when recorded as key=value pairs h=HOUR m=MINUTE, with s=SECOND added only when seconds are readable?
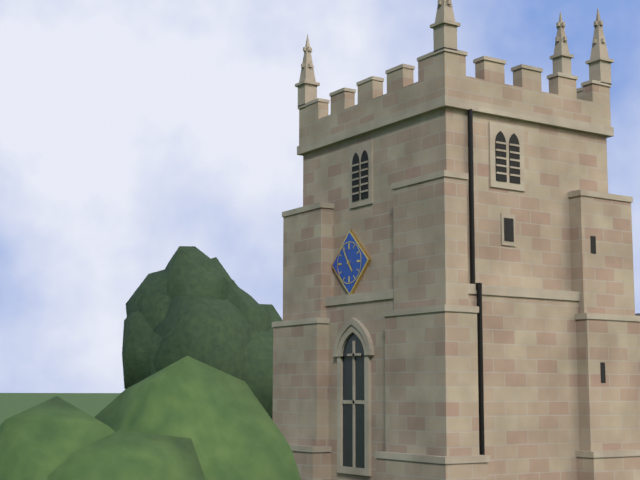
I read h=4 m=55
